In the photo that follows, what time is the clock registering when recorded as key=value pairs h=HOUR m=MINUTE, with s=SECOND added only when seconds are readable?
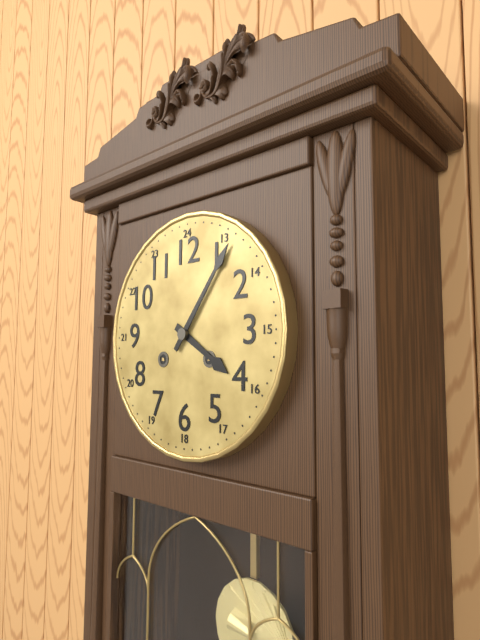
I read h=4 m=6
